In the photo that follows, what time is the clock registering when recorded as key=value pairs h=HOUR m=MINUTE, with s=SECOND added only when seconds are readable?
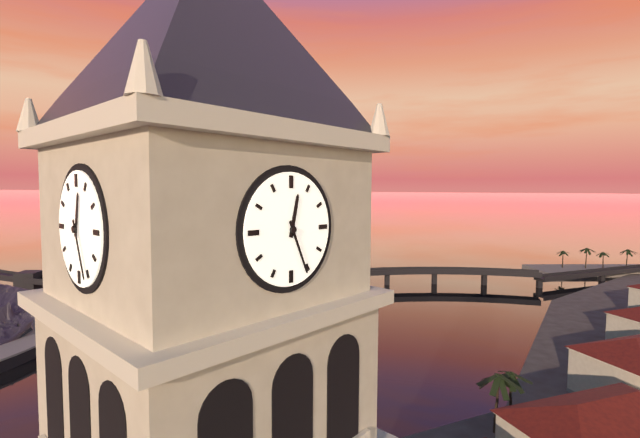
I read h=12 m=26
